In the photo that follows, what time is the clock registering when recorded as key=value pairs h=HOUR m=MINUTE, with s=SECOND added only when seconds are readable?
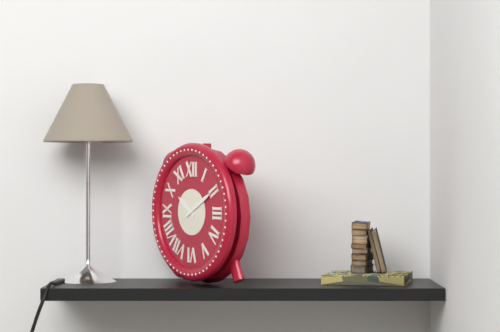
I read h=10 m=10
